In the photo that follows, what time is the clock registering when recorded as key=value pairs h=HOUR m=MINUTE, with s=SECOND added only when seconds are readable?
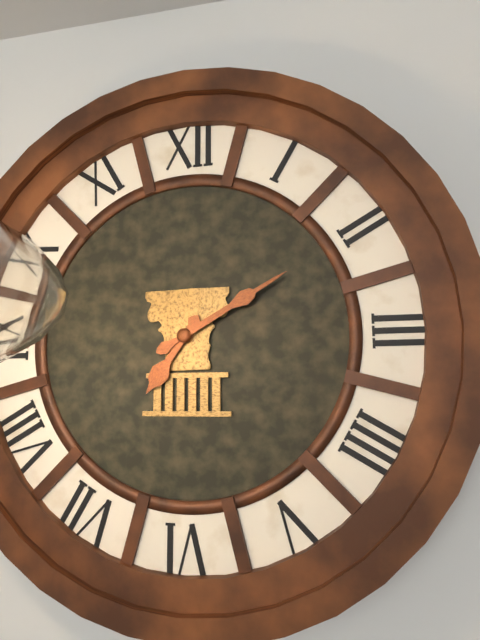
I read h=7 m=10
